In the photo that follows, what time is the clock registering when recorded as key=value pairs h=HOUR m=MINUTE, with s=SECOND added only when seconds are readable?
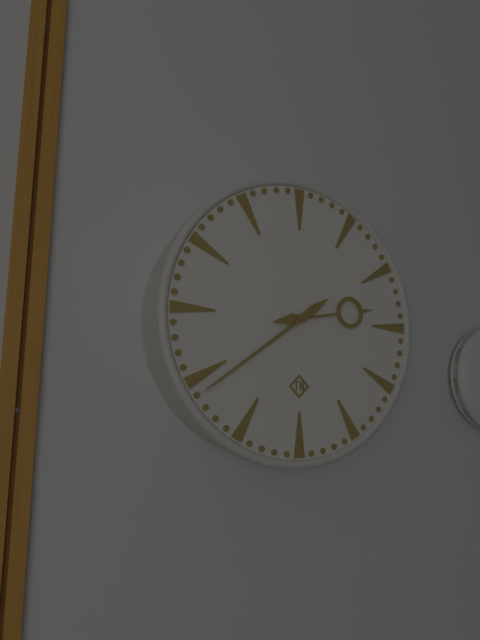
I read h=2 m=39
